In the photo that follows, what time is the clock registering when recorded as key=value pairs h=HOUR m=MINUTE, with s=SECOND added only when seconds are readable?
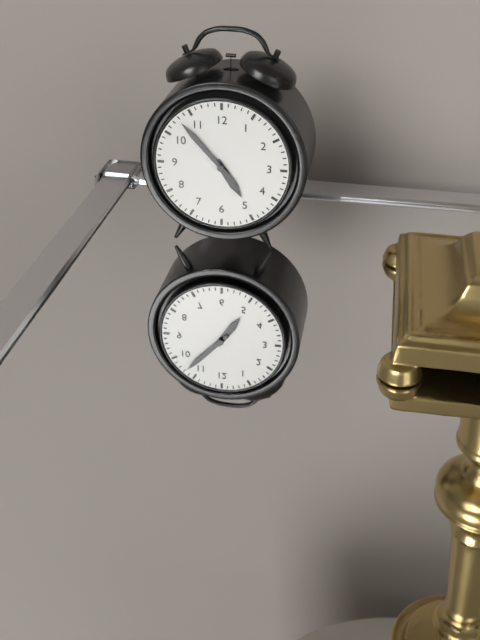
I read h=4 m=53
